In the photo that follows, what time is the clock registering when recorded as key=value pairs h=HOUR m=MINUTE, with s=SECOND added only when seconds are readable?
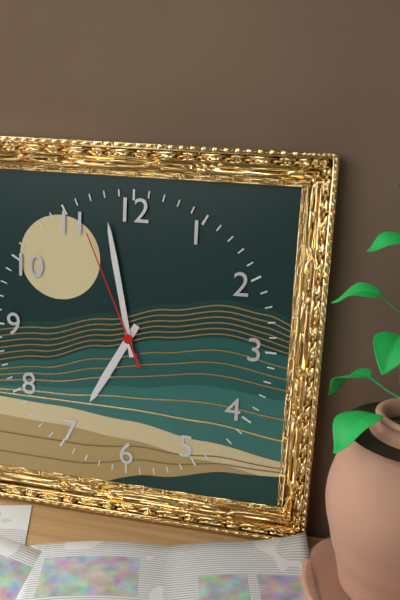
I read h=6 m=58 s=56
